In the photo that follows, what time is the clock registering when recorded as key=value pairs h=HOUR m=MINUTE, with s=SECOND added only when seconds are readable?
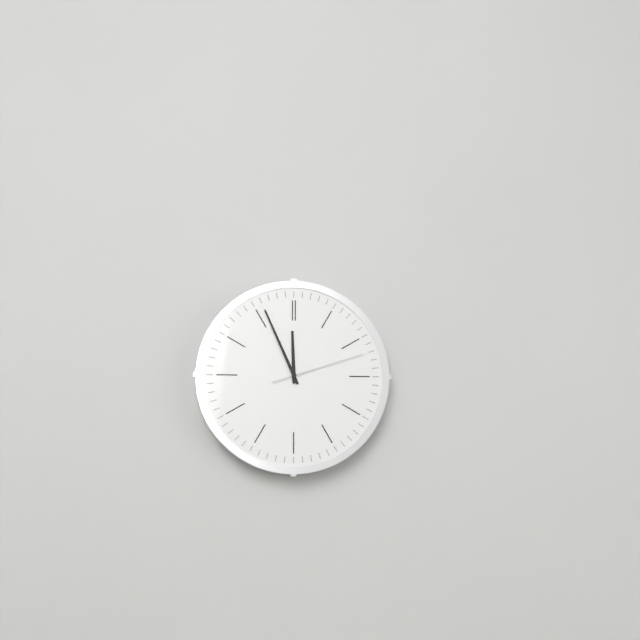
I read h=11 m=56 s=12
